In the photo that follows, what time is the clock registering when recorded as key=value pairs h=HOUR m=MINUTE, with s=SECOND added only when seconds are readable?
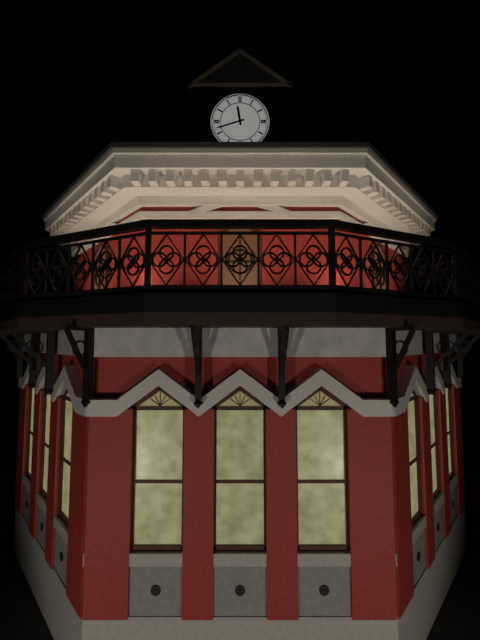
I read h=11 m=42
